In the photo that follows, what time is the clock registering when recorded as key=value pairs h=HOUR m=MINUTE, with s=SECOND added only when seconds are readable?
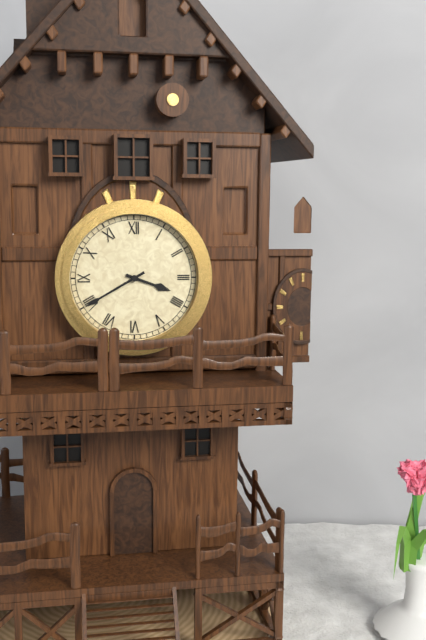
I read h=3 m=40
